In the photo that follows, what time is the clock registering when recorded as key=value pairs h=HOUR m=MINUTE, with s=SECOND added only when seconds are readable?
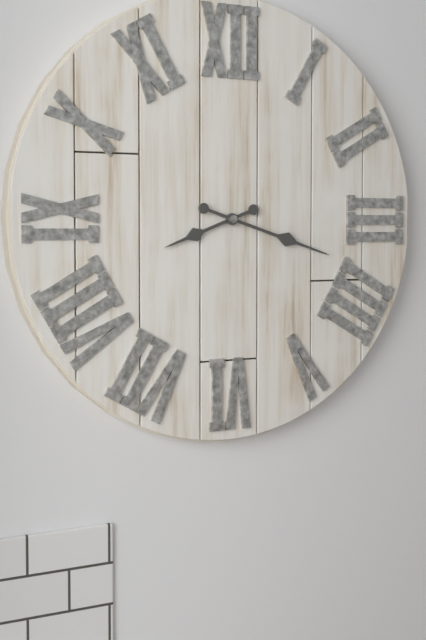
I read h=8 m=18
